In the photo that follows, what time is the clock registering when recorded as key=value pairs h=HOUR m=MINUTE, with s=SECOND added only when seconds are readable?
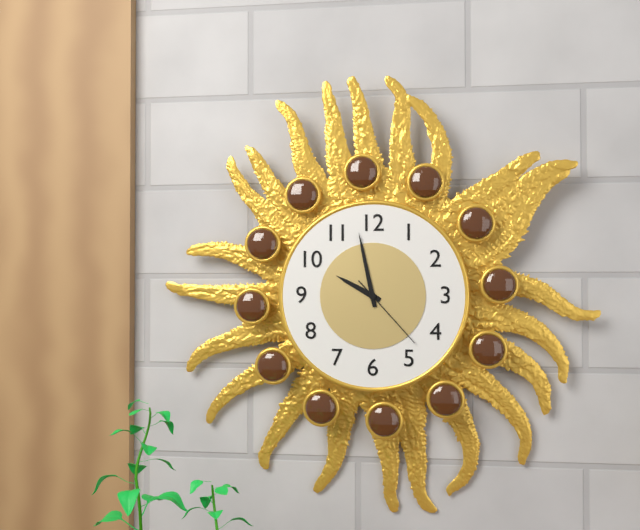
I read h=9 m=58 s=23
